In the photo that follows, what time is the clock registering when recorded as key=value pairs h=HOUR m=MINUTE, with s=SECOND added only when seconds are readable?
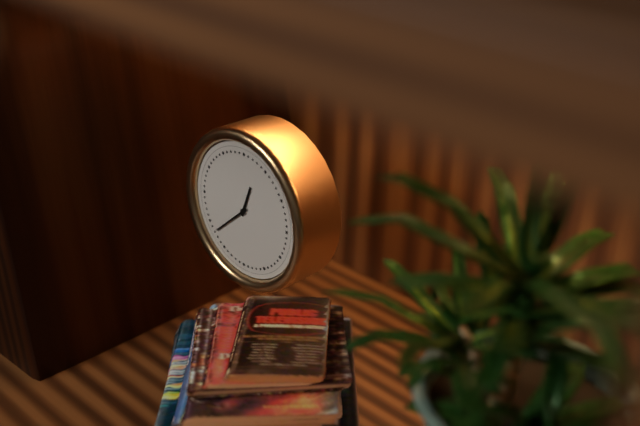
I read h=12 m=38
